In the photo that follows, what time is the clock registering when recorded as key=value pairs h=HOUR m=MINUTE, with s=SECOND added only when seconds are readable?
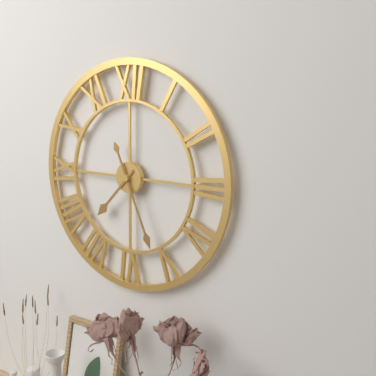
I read h=7 m=26
